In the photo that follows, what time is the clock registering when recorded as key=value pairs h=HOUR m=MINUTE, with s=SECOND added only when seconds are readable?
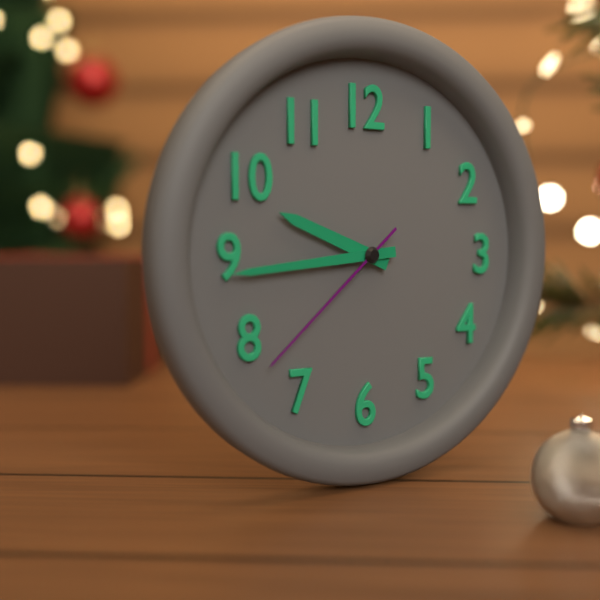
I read h=9 m=44 s=38
